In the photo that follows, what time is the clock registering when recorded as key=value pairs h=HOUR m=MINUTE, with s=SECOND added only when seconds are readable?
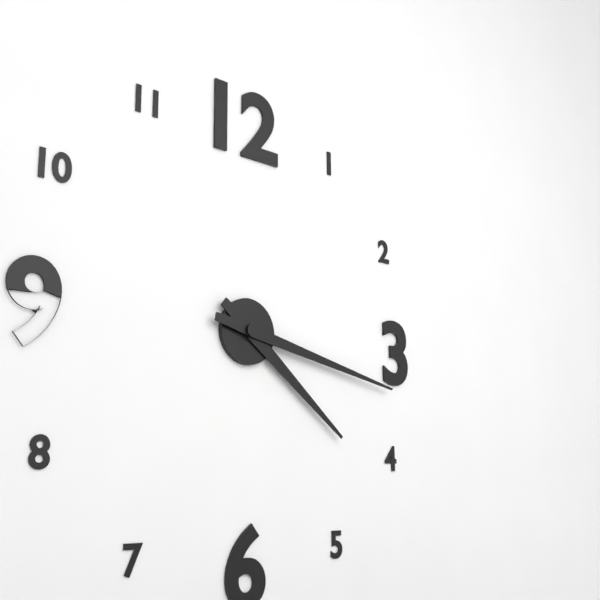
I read h=4 m=17
